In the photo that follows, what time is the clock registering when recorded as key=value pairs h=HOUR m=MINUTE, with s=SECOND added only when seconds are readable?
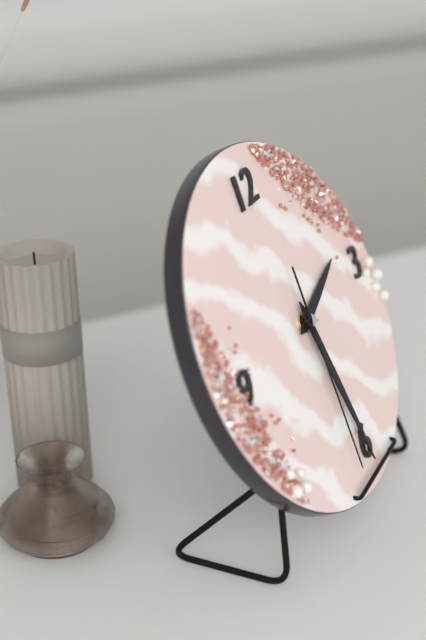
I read h=2 m=30 s=32
